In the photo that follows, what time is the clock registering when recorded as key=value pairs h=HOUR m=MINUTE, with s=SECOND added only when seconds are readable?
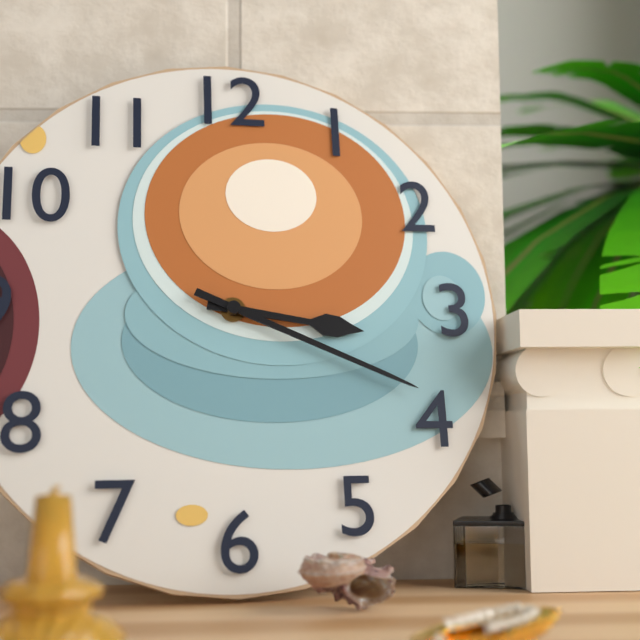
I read h=3 m=19
